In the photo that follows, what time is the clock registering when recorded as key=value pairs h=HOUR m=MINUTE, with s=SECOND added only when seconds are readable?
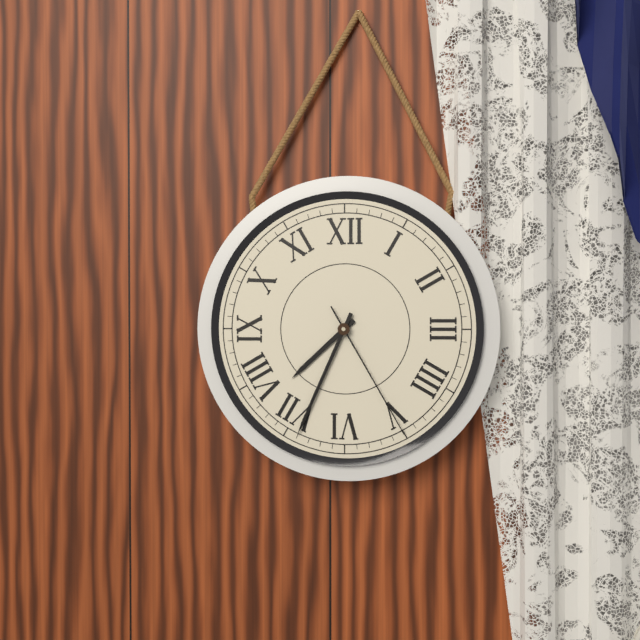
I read h=7 m=34 s=25
